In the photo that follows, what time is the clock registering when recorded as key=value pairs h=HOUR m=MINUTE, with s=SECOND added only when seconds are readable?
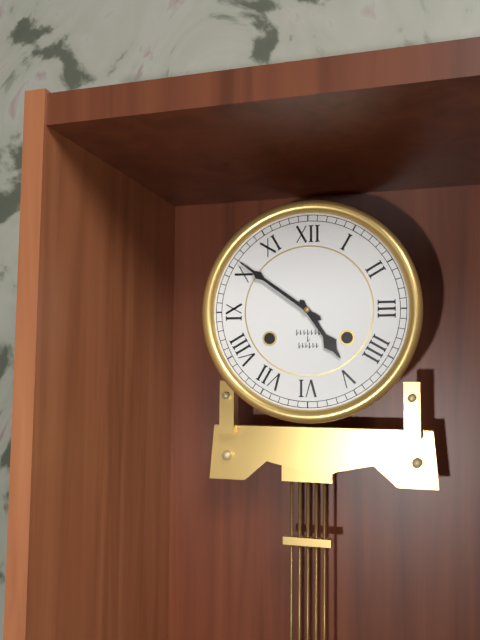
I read h=4 m=51
